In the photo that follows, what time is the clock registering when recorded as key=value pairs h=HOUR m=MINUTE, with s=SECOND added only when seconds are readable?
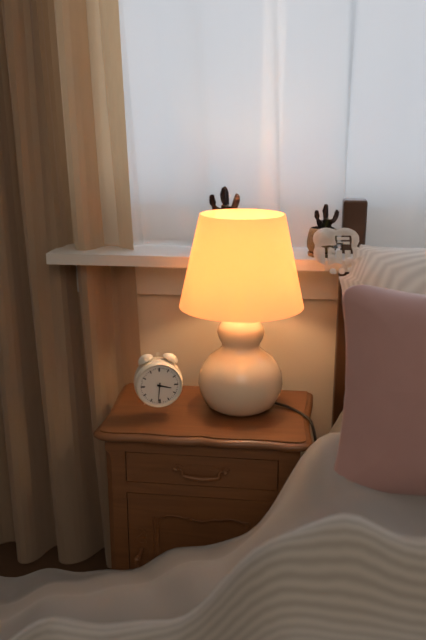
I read h=3 m=31
